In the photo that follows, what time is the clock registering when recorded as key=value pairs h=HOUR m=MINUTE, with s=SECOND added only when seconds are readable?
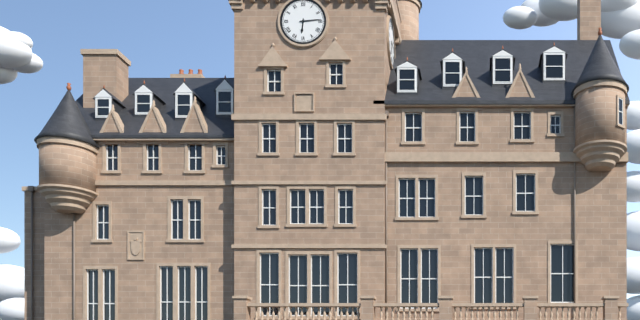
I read h=6 m=14
